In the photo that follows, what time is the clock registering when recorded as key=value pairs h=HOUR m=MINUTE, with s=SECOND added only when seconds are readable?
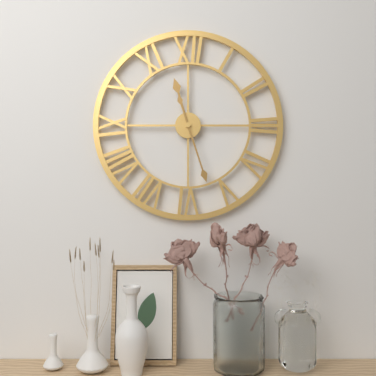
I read h=11 m=27
